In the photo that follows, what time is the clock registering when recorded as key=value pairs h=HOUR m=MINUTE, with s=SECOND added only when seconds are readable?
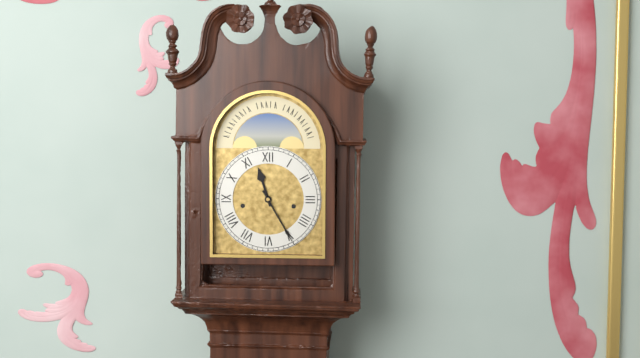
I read h=11 m=25
